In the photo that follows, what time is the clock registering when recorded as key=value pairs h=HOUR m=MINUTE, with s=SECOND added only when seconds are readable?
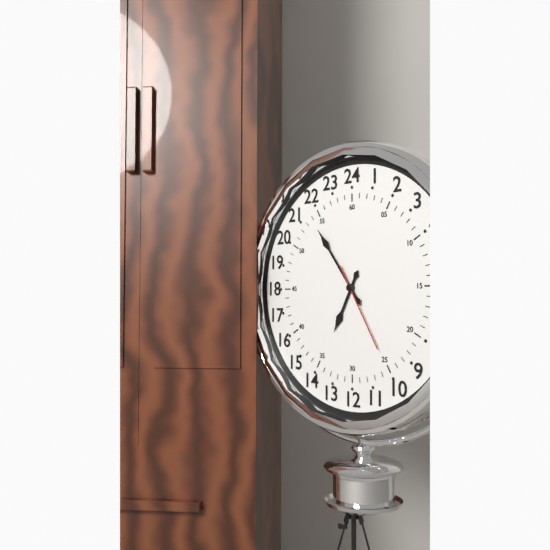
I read h=6 m=54 s=25
